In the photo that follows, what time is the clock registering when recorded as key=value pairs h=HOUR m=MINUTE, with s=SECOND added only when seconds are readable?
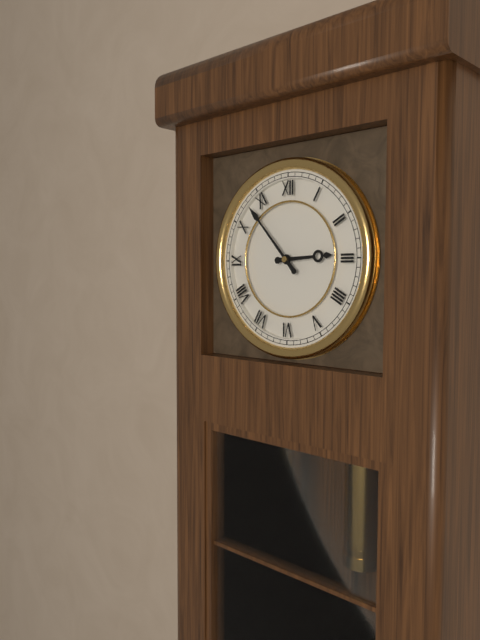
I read h=2 m=53
